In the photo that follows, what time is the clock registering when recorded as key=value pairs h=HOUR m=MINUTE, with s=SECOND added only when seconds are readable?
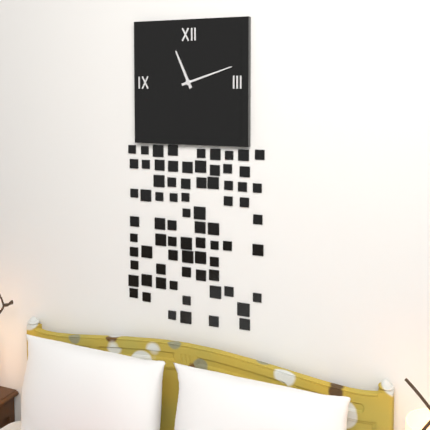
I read h=11 m=12
